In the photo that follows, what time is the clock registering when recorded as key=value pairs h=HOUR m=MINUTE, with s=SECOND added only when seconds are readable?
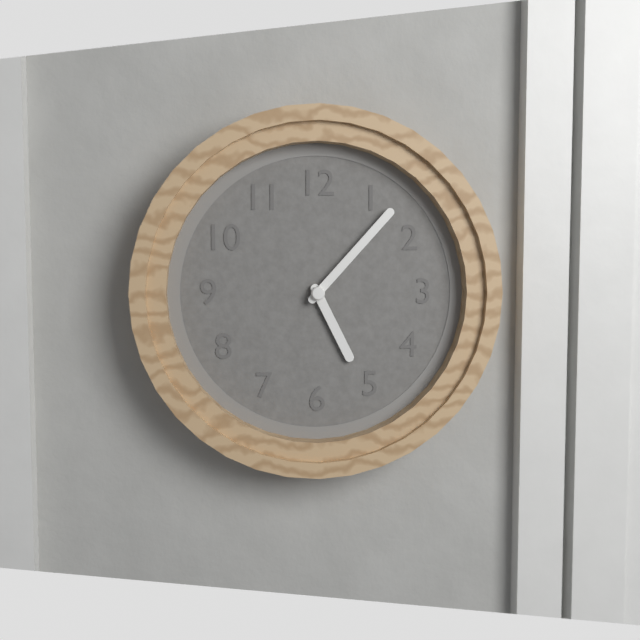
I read h=5 m=7
